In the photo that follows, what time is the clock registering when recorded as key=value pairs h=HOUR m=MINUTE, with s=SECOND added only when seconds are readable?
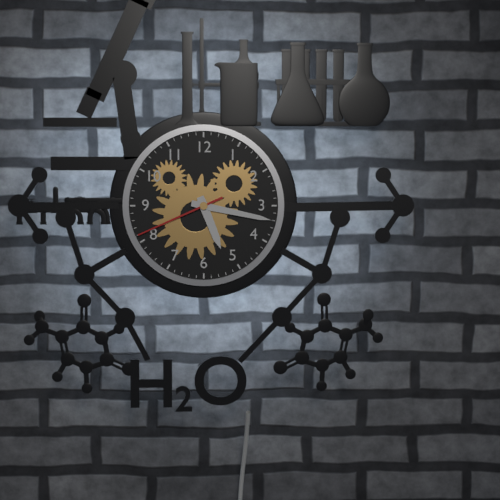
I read h=5 m=17 s=41
